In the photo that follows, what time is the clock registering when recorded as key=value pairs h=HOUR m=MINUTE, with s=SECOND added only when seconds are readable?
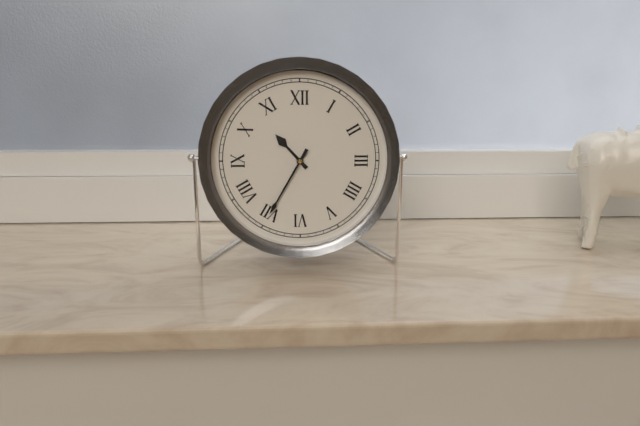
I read h=10 m=35
